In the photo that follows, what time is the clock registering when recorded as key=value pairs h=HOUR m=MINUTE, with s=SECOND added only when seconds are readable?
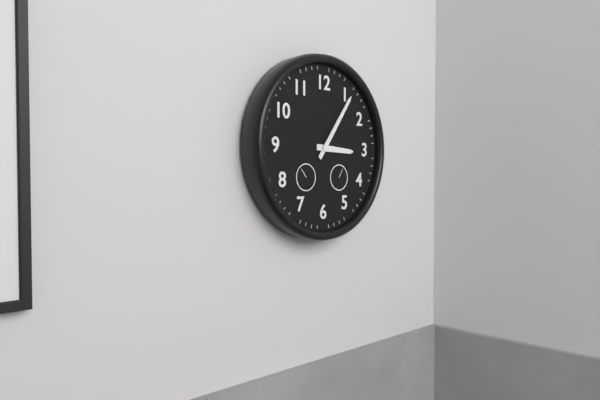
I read h=3 m=6
